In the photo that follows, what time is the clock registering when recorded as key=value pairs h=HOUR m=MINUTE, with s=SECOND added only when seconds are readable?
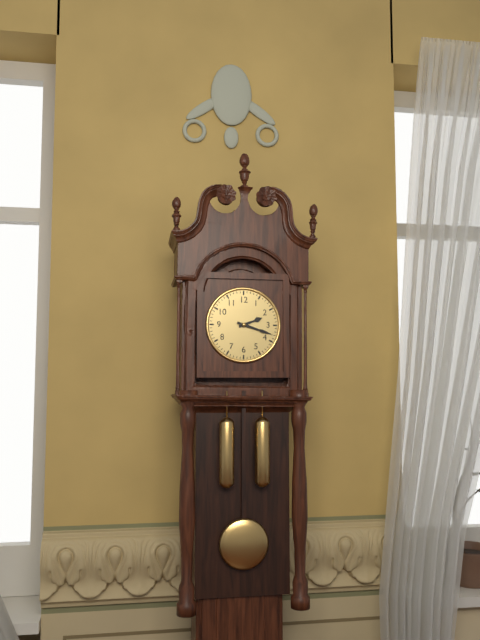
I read h=2 m=18
